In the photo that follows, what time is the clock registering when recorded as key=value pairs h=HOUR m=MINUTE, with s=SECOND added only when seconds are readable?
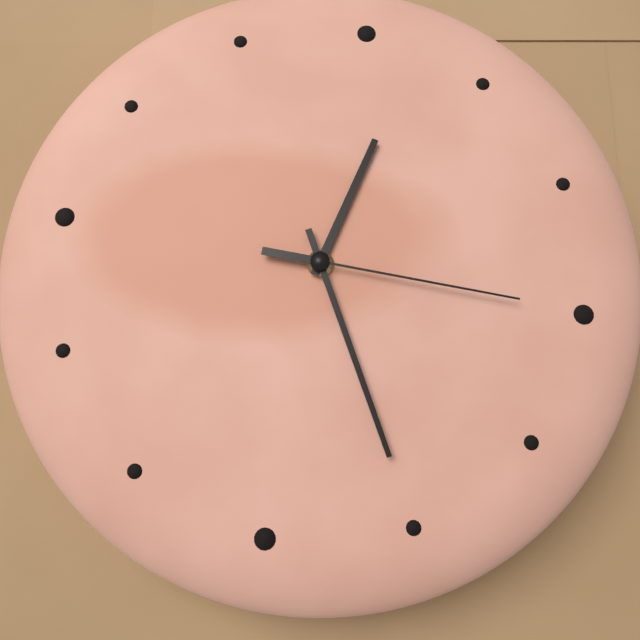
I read h=12 m=25 s=15
